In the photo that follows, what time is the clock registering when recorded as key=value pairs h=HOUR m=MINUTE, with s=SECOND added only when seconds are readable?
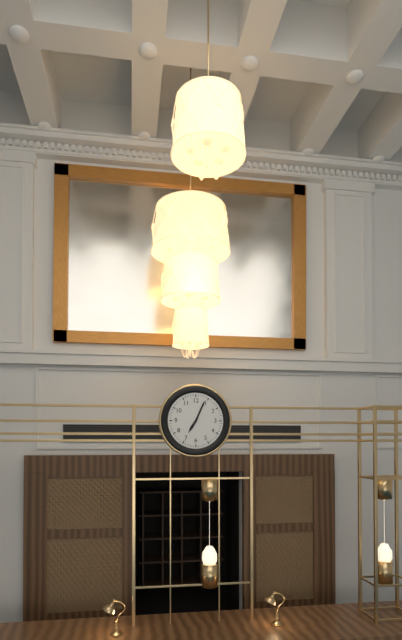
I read h=7 m=4
